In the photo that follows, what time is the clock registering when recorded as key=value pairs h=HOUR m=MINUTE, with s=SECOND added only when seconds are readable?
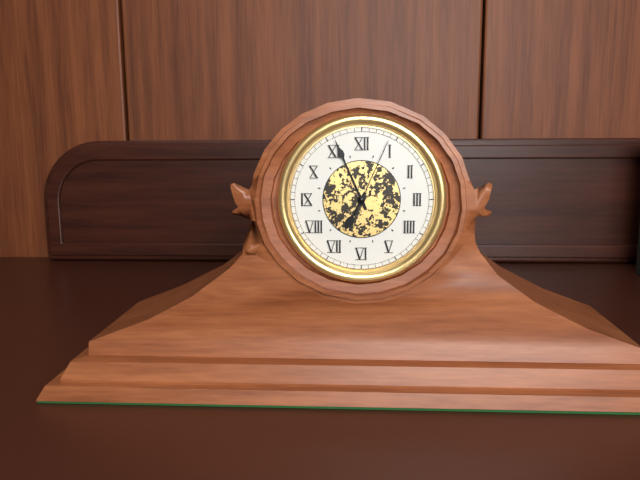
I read h=6 m=56 s=4
